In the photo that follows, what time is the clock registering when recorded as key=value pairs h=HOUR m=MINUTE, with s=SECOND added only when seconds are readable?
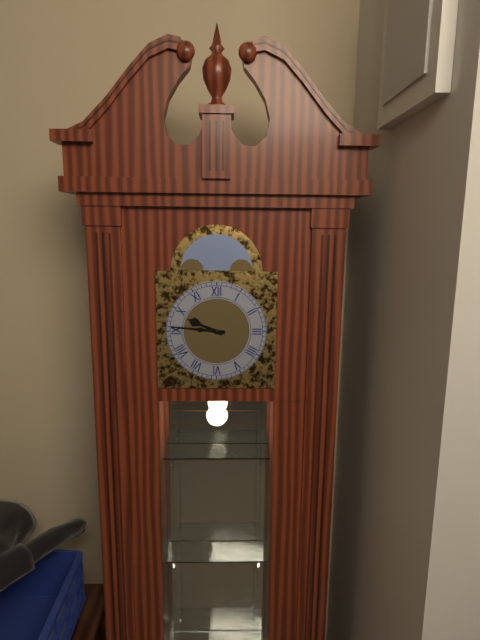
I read h=9 m=46
